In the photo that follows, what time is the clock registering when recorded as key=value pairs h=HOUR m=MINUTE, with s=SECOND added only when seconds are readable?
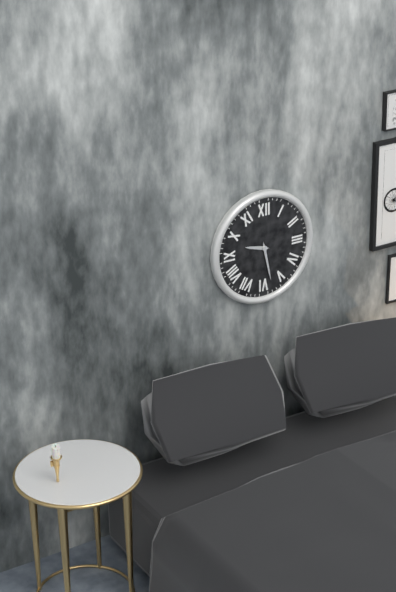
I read h=9 m=28
